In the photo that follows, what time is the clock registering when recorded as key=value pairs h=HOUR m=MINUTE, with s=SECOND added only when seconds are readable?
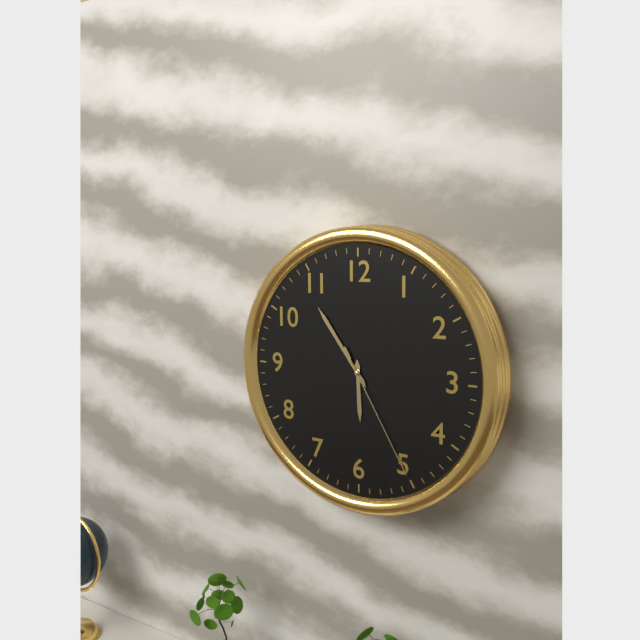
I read h=5 m=54 s=25
